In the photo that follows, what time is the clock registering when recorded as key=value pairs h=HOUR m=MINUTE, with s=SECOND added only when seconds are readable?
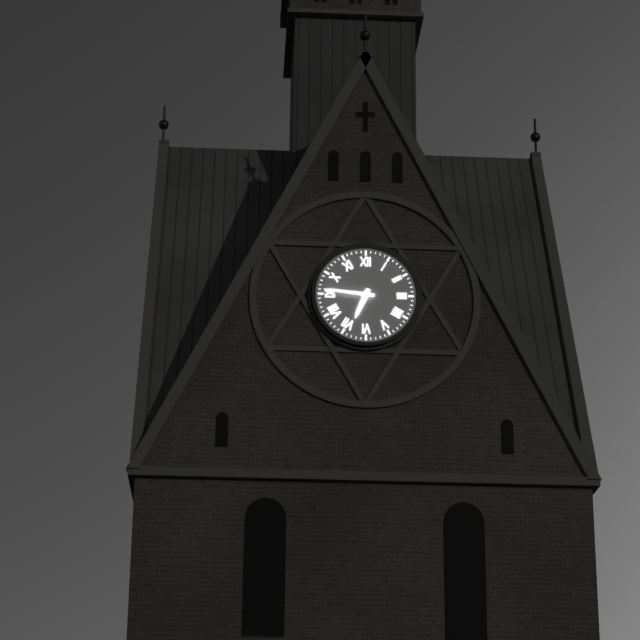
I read h=6 m=46
